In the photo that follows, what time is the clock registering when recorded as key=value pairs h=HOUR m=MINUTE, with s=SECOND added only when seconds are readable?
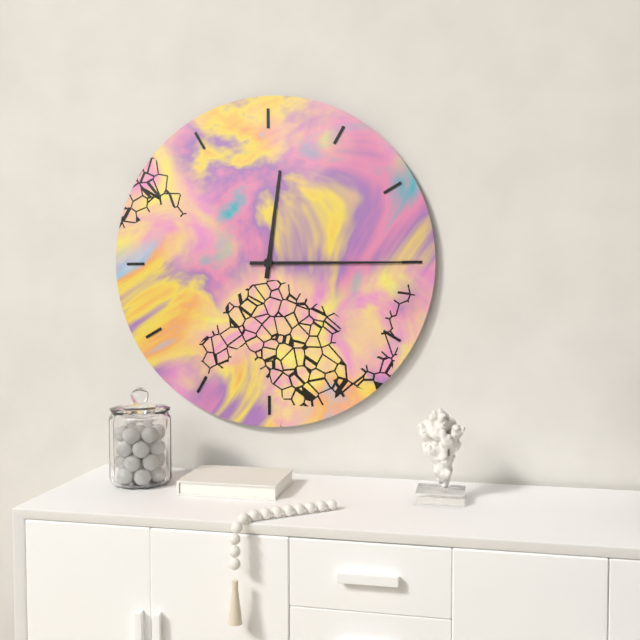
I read h=12 m=15
